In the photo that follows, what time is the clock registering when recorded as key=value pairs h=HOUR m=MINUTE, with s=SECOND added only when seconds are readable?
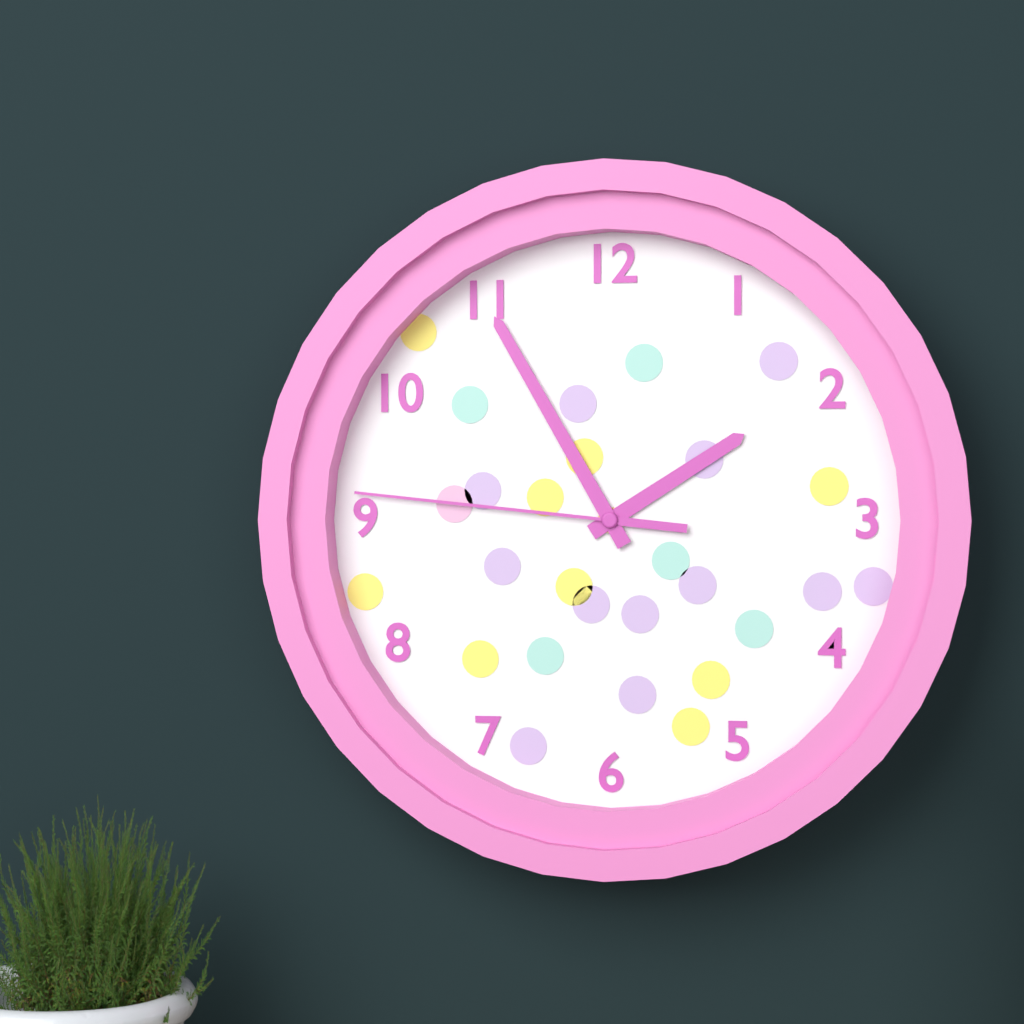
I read h=1 m=55 s=46
